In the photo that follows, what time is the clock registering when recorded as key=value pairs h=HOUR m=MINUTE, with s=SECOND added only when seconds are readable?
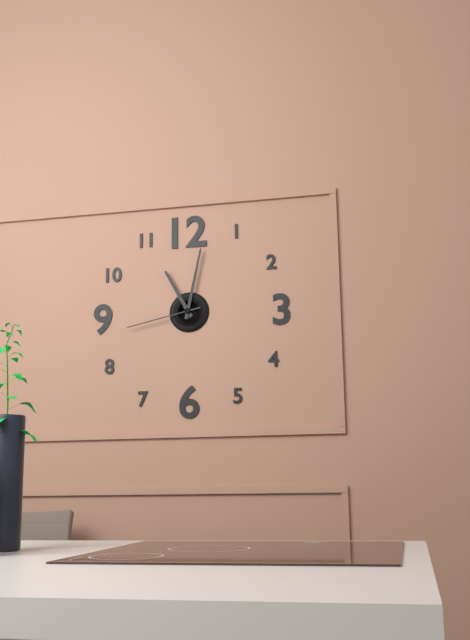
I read h=11 m=2 s=43
